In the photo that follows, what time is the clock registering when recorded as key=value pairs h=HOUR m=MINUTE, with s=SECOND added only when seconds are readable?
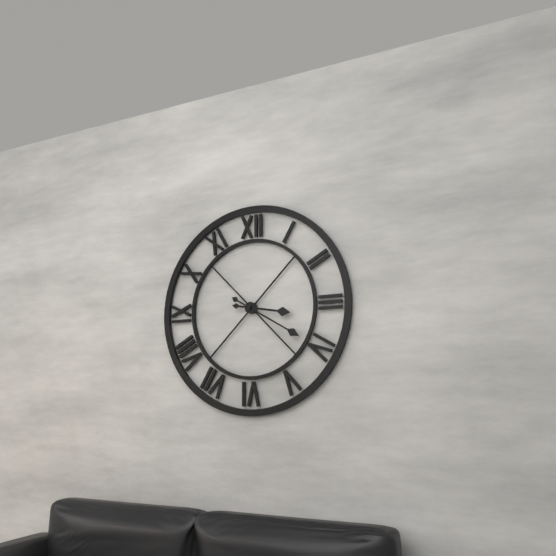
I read h=3 m=20
